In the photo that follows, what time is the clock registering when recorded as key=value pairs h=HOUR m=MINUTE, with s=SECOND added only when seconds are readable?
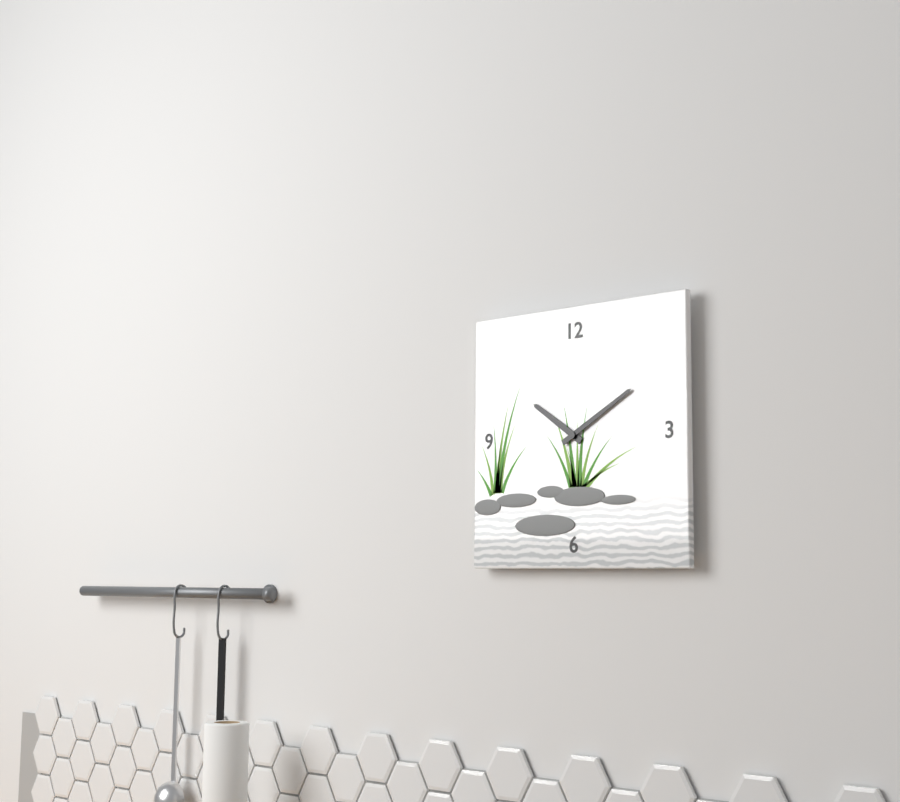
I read h=10 m=10
